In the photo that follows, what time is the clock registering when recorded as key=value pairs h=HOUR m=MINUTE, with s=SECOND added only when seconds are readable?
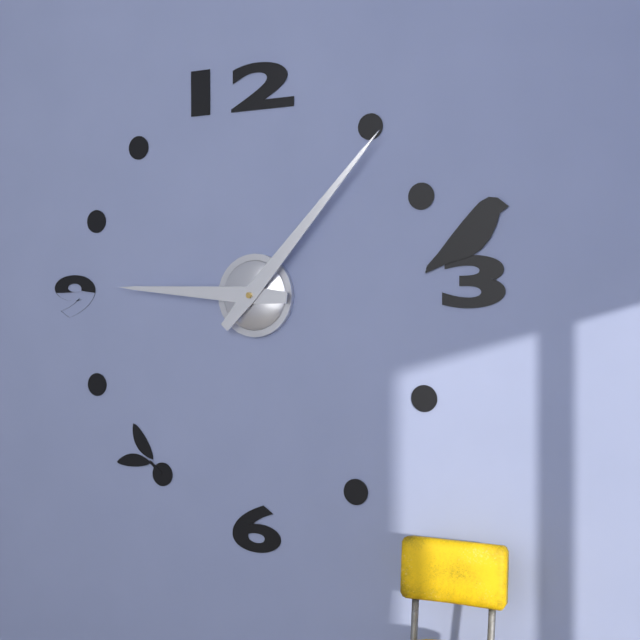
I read h=9 m=7
